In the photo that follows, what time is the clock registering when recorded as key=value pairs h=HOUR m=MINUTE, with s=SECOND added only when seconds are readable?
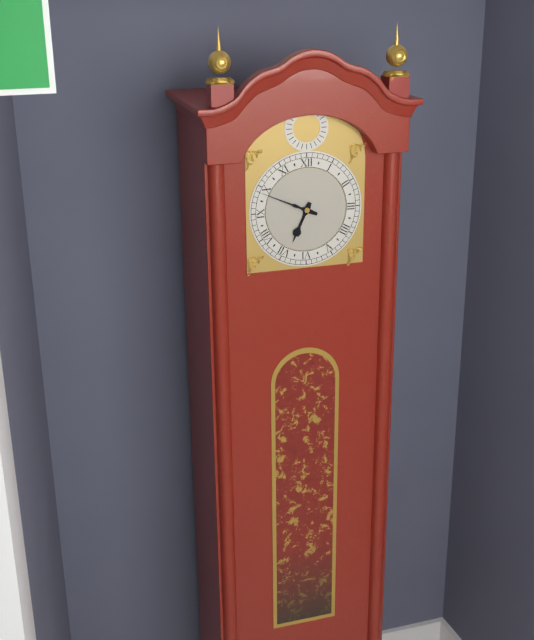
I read h=6 m=49
